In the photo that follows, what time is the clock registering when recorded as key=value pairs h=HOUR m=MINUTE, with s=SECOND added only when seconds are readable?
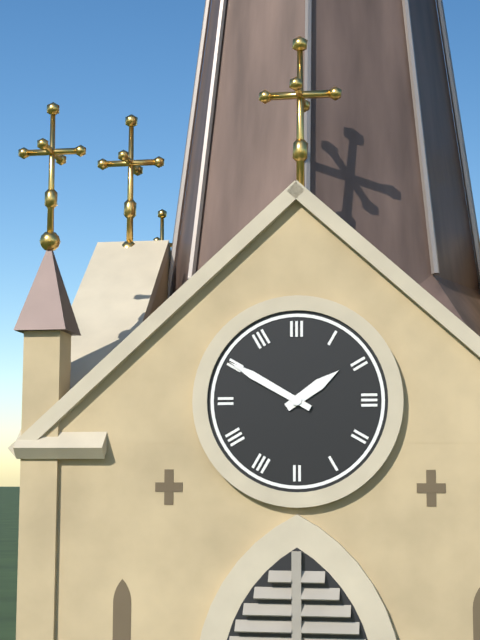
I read h=1 m=50
